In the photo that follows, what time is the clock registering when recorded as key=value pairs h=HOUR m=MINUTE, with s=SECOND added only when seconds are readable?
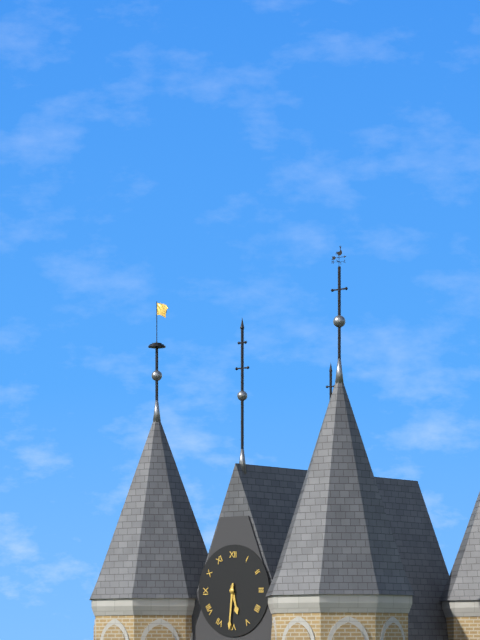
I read h=5 m=31
